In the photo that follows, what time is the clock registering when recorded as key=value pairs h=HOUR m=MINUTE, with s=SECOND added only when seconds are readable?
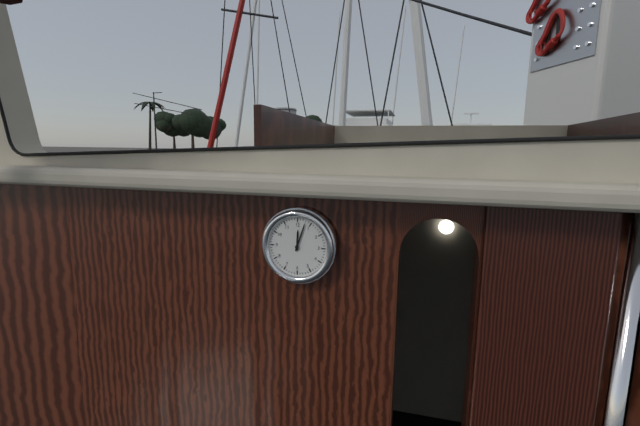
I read h=12 m=3
